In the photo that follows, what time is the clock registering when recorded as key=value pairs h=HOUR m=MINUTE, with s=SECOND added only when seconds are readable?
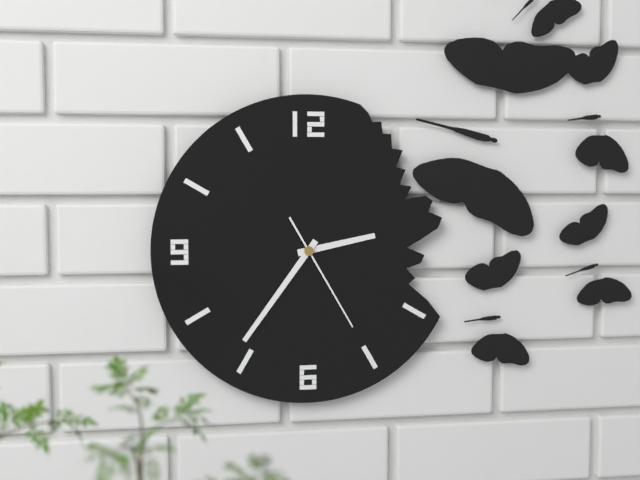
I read h=2 m=36 s=25
